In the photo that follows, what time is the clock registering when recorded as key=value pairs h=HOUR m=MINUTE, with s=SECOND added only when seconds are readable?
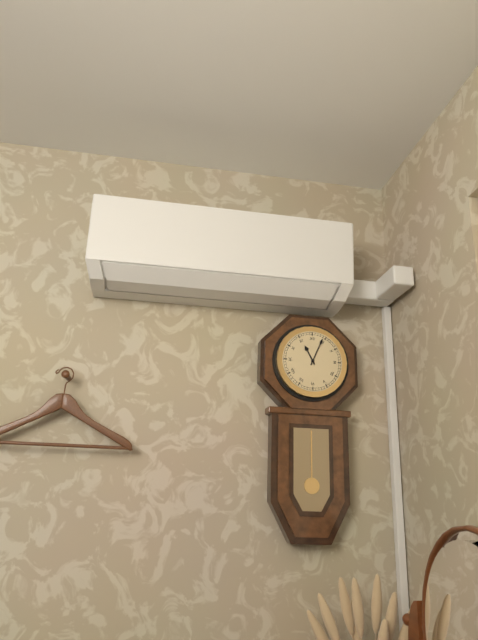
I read h=11 m=4
